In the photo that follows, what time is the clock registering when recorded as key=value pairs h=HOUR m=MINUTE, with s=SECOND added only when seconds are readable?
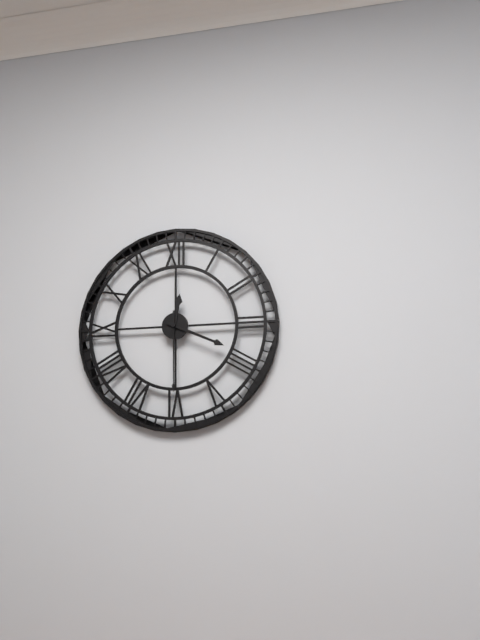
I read h=12 m=19 s=30
